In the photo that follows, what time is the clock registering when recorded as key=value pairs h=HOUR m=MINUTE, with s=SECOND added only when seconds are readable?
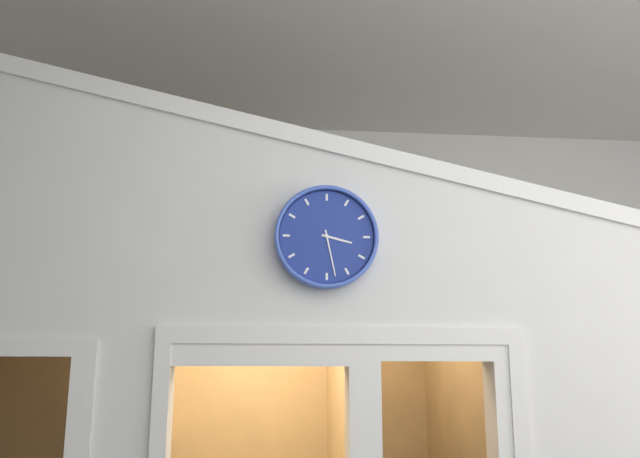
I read h=3 m=28
